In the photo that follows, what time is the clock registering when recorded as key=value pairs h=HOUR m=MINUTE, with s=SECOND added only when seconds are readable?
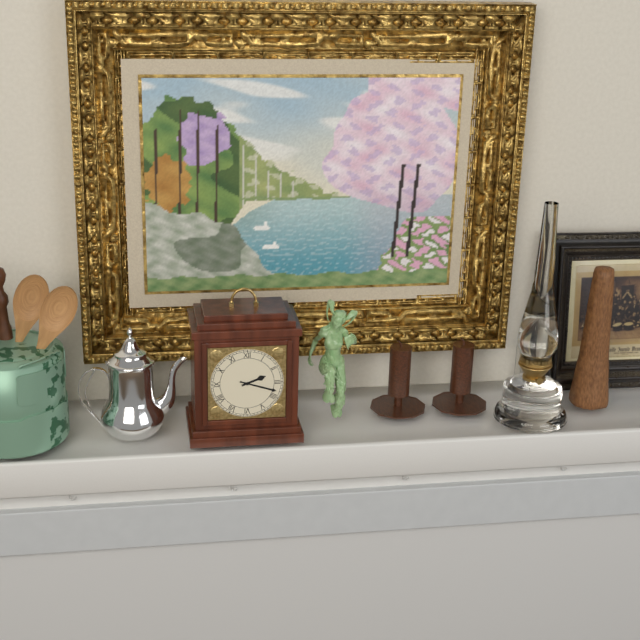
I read h=2 m=18
